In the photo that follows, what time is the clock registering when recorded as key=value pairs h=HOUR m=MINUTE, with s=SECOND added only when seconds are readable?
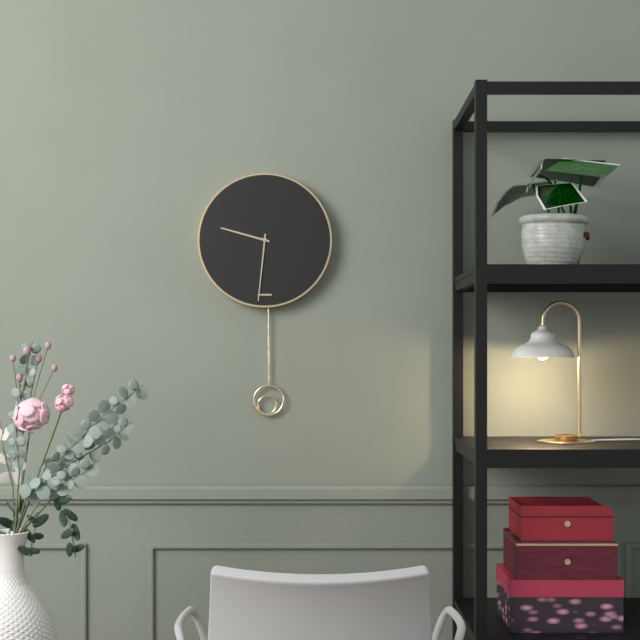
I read h=9 m=31
